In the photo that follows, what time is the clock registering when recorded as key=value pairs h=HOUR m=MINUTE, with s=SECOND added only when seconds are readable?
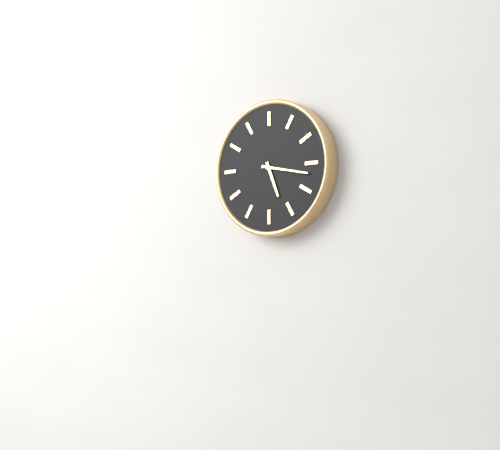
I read h=5 m=17
